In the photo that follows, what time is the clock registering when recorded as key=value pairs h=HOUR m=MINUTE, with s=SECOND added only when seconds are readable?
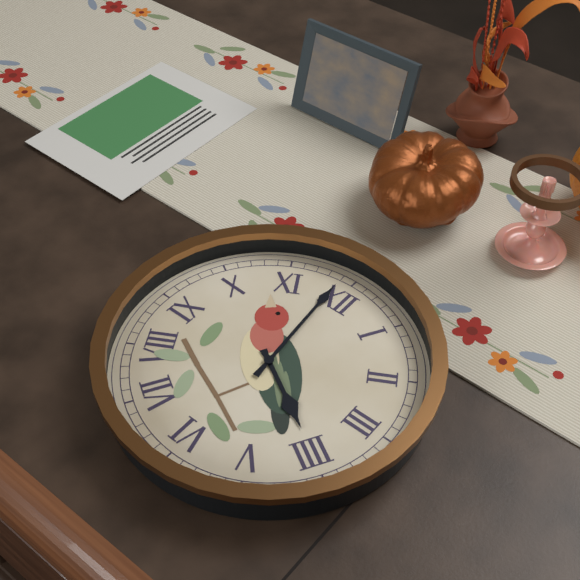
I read h=3 m=59
